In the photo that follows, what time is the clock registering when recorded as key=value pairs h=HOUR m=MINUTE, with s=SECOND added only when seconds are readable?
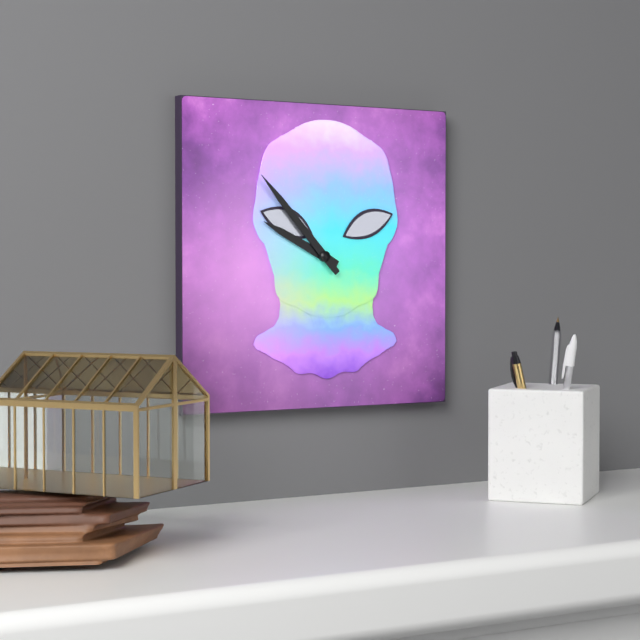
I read h=9 m=53
